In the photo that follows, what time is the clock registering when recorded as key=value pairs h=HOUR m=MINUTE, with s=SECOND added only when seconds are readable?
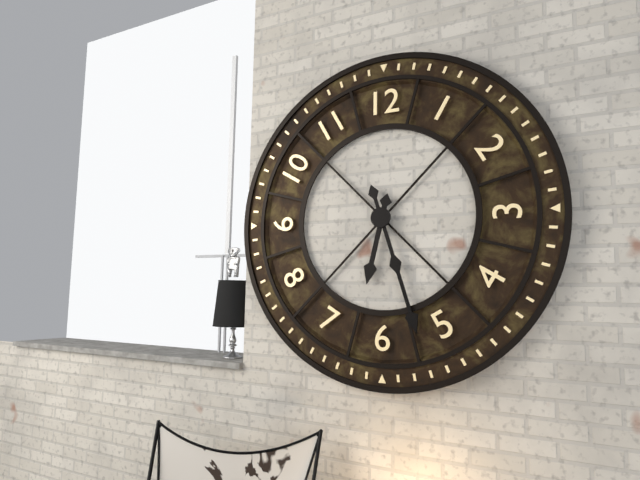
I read h=6 m=27
